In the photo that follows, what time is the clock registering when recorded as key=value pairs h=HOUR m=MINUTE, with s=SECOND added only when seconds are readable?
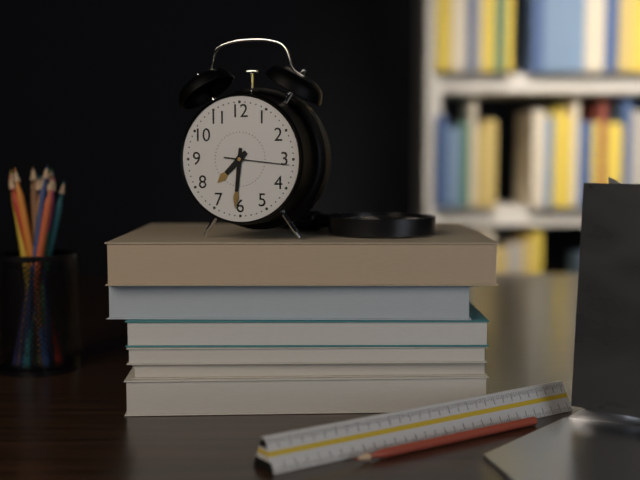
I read h=7 m=31 s=16
